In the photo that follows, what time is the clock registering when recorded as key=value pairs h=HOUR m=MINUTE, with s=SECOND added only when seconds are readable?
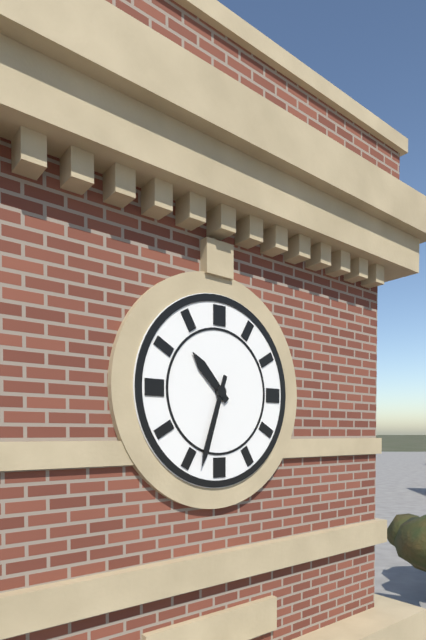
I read h=10 m=33
